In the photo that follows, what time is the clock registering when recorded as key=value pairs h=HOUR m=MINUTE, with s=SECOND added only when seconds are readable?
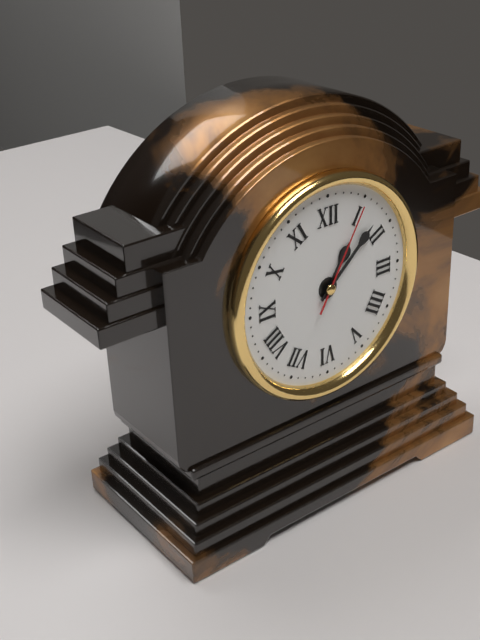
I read h=1 m=8 s=5
